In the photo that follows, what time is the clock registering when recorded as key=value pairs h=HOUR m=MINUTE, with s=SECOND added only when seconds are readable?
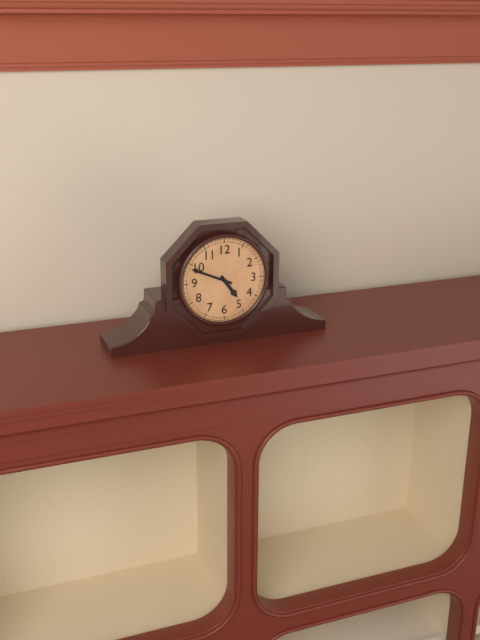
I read h=4 m=49
